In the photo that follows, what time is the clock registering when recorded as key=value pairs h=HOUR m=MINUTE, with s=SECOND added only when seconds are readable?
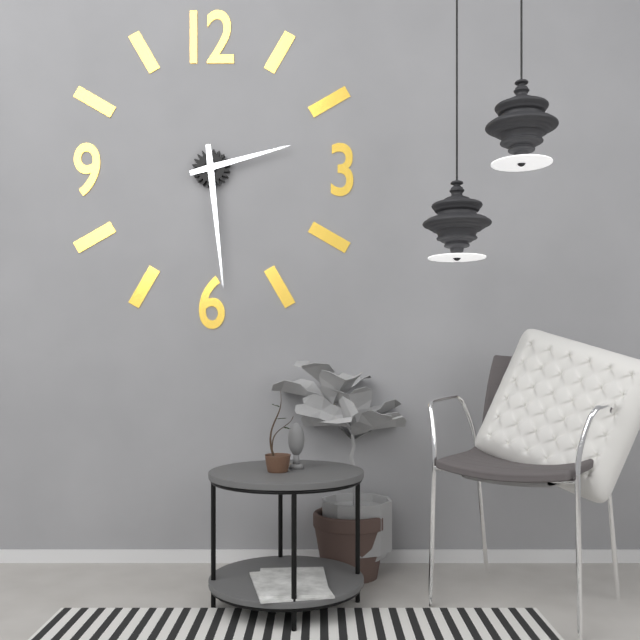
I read h=2 m=29
